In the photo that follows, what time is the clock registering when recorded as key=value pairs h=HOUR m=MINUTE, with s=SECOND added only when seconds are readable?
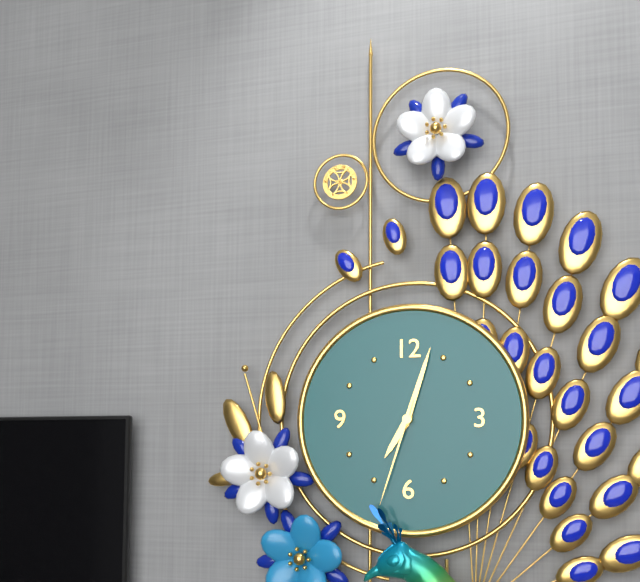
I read h=7 m=3 s=33
